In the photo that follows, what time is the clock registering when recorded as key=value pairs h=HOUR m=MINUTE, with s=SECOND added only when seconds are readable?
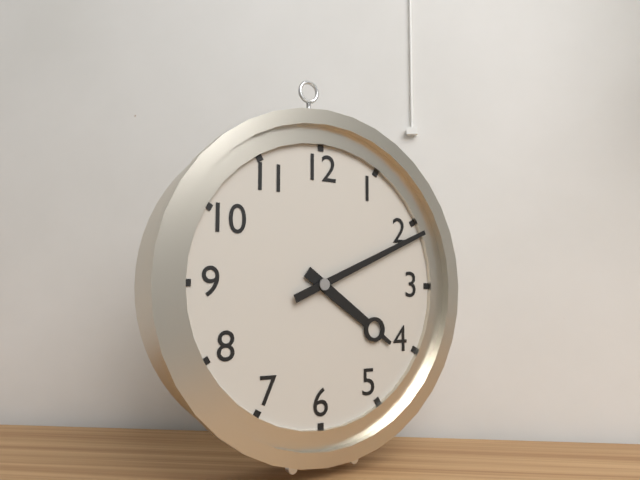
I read h=4 m=11
